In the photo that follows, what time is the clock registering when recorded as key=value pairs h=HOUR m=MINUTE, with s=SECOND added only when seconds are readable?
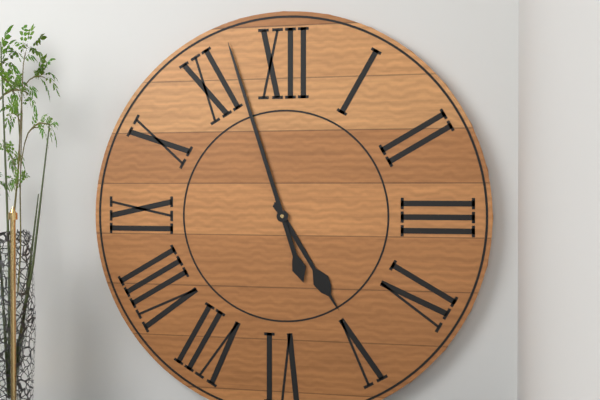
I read h=4 m=57
